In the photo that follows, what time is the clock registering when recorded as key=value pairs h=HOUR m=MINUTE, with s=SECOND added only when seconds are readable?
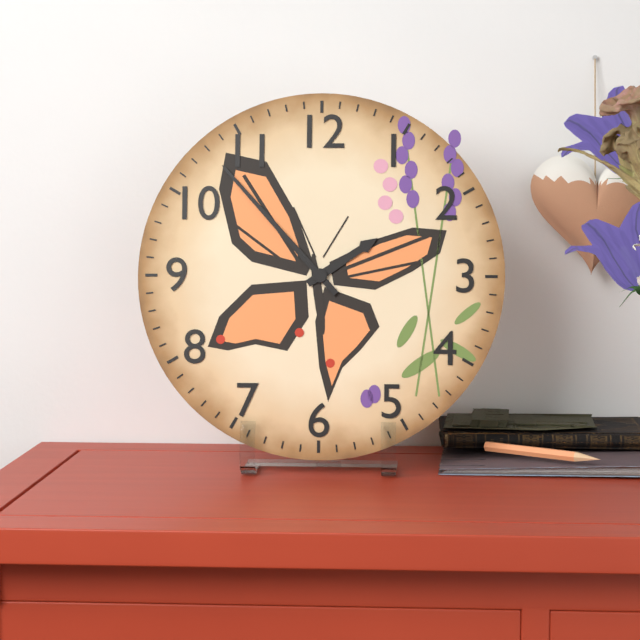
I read h=1 m=53
